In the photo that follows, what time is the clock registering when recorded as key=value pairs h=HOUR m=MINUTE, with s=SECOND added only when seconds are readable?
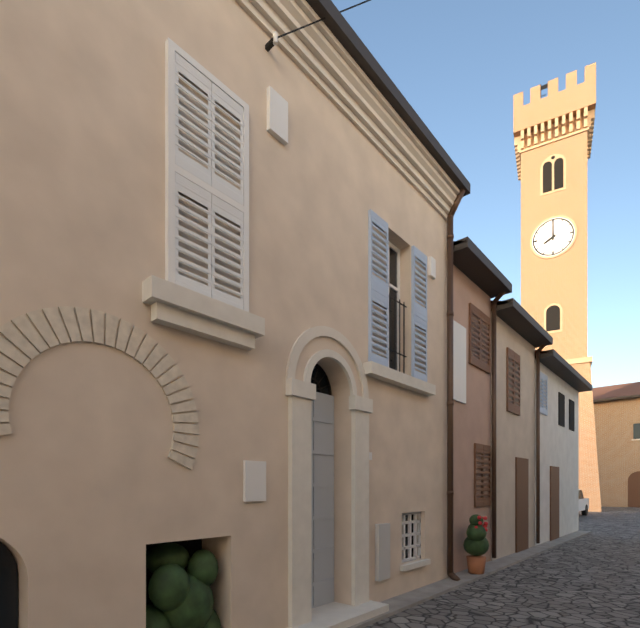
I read h=8 m=0
